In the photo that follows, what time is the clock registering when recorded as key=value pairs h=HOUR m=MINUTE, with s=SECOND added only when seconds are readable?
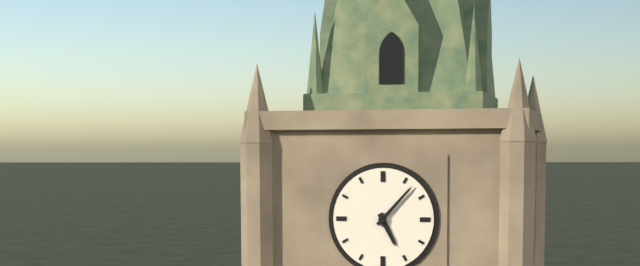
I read h=5 m=7
